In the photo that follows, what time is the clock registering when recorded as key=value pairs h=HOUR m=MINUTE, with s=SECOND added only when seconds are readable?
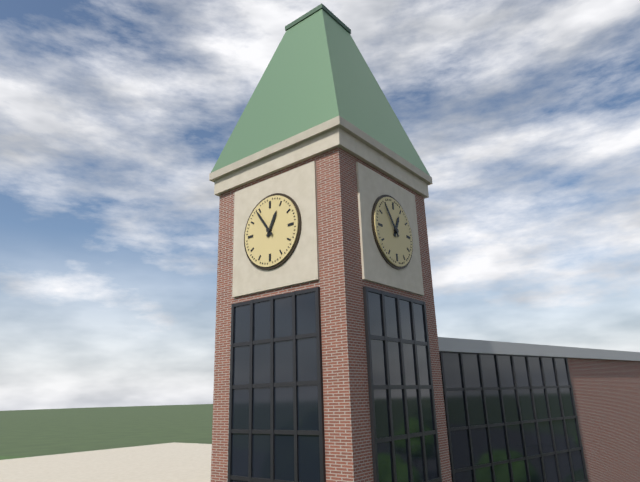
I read h=12 m=54
